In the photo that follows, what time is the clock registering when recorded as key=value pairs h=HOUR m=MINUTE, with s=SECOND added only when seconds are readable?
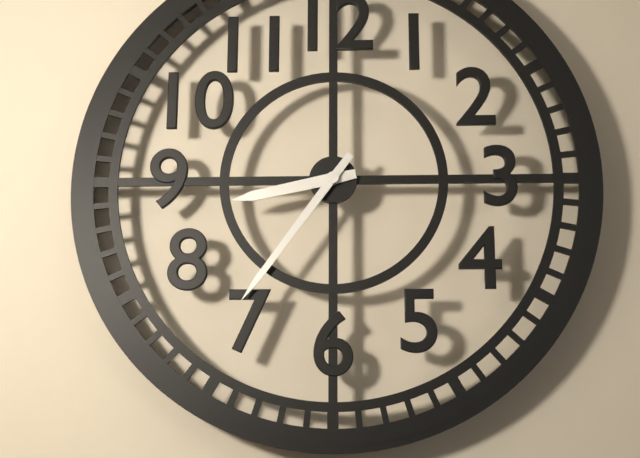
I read h=8 m=36
